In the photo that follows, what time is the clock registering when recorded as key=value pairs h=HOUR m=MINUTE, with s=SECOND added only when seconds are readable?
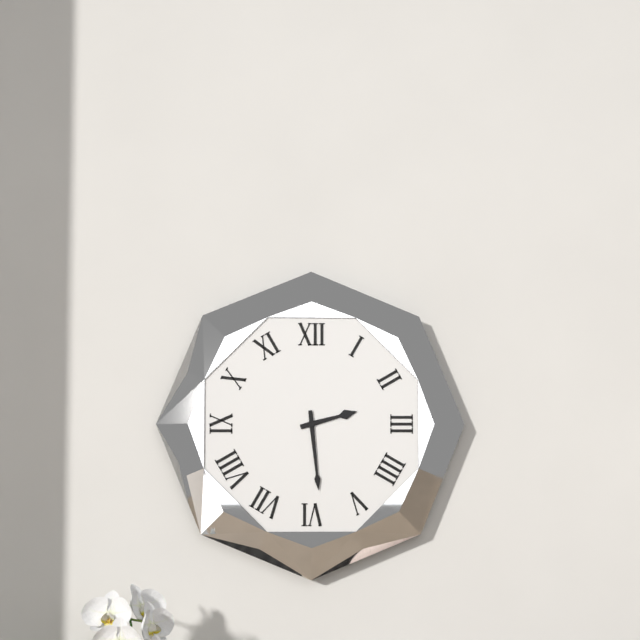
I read h=2 m=29
